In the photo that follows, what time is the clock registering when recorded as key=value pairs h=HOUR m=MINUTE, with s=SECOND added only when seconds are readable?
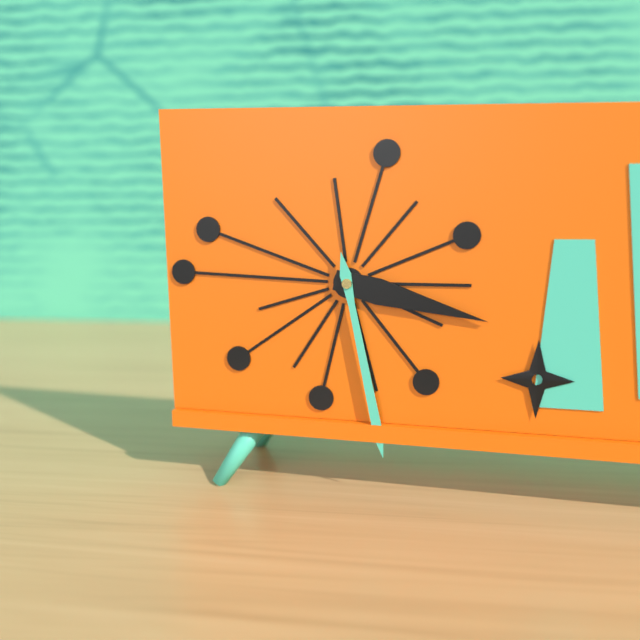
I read h=3 m=28
